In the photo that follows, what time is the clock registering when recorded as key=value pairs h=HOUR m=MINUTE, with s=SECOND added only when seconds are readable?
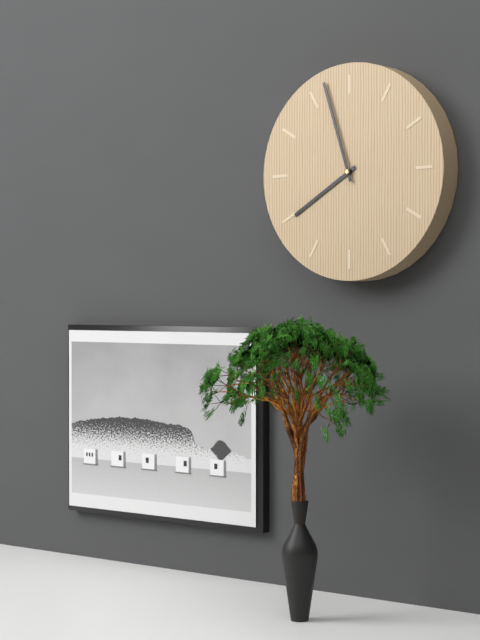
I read h=7 m=57
